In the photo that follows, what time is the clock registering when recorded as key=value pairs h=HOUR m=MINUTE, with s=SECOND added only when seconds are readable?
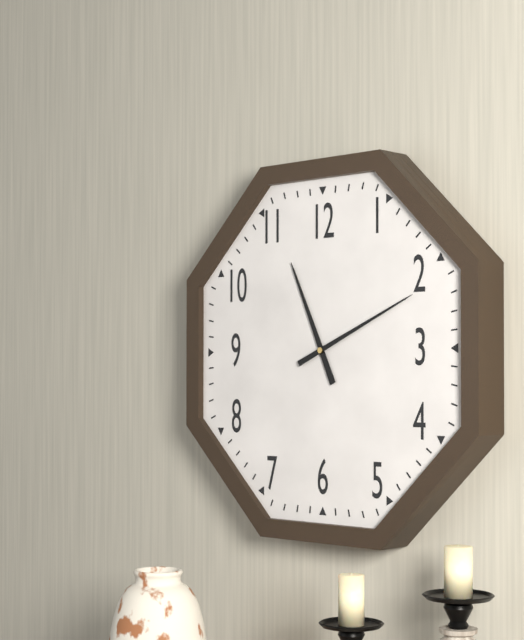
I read h=11 m=11
